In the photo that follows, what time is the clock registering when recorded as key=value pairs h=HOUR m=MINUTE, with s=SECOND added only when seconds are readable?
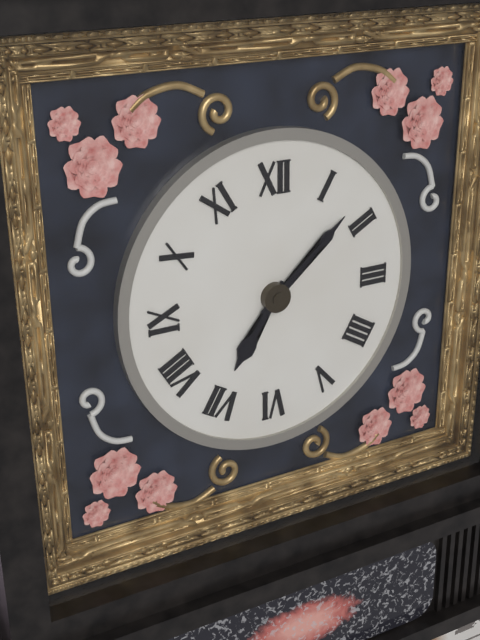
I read h=7 m=8
